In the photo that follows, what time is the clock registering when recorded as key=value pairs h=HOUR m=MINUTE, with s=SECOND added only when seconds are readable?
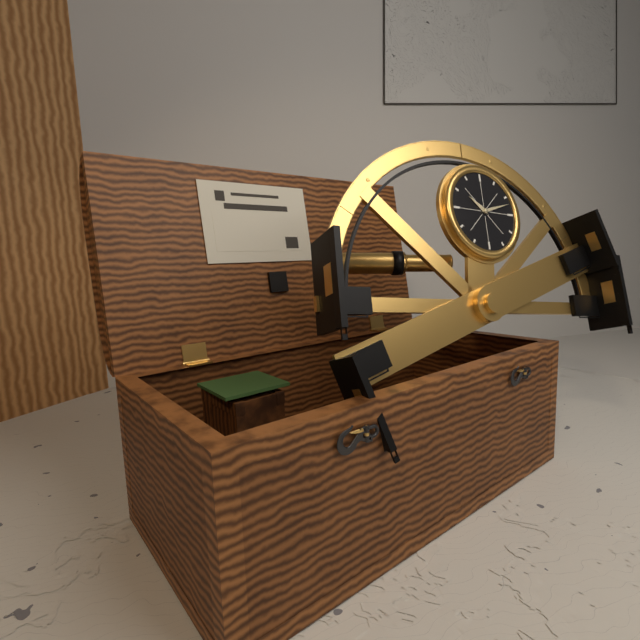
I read h=10 m=12
